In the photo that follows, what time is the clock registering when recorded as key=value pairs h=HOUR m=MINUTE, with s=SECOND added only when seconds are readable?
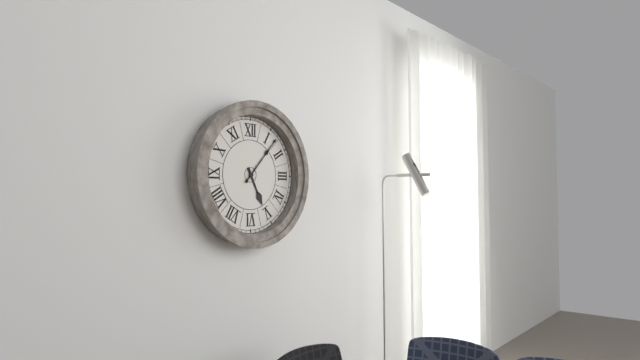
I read h=5 m=7
